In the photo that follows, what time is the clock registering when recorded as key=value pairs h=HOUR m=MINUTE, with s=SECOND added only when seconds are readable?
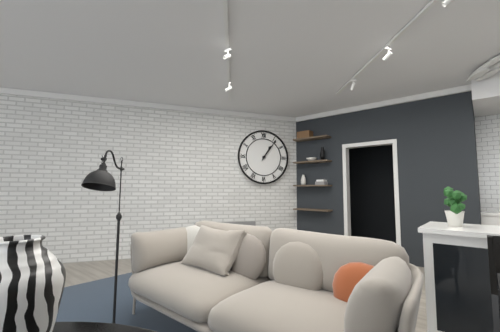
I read h=1 m=6
